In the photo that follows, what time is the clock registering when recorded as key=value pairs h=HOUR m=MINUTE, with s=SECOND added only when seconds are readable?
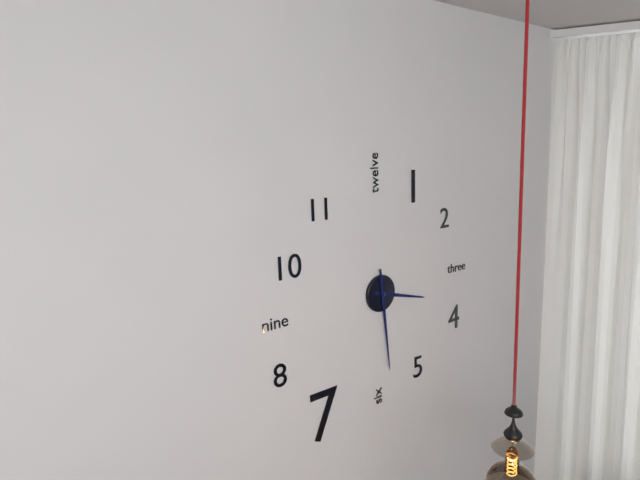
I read h=3 m=29
